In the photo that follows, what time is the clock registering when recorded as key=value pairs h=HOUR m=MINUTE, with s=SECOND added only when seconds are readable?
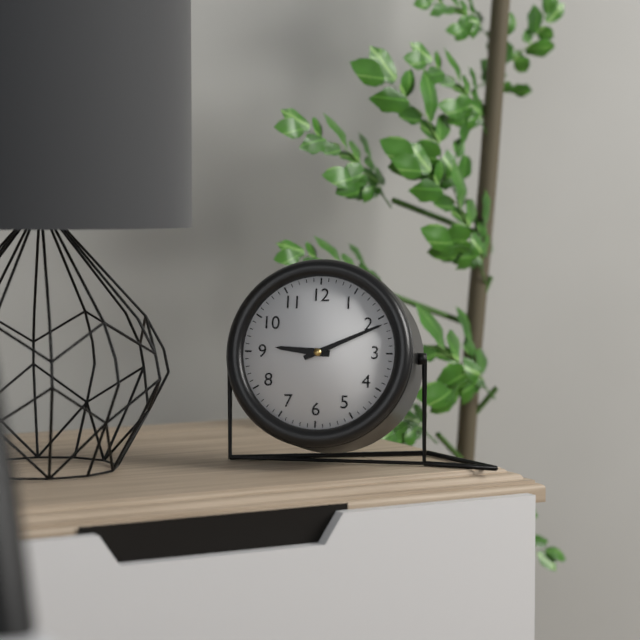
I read h=9 m=11
